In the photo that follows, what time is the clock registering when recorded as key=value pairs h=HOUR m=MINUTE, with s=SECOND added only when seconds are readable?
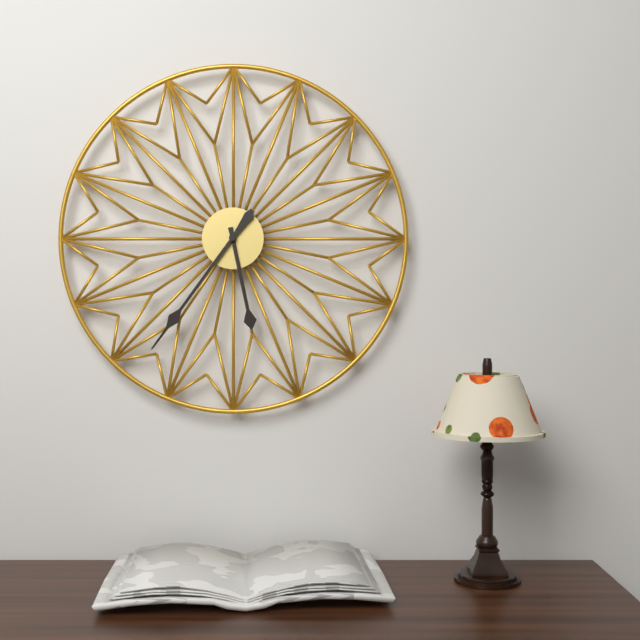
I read h=5 m=36
